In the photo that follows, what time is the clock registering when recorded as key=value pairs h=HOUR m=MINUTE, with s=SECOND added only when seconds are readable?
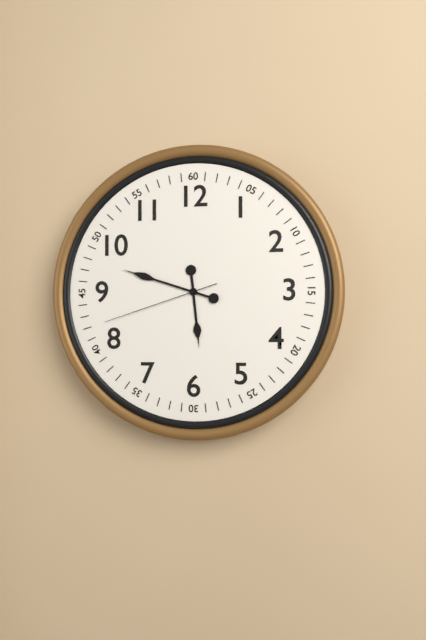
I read h=5 m=48 s=42
